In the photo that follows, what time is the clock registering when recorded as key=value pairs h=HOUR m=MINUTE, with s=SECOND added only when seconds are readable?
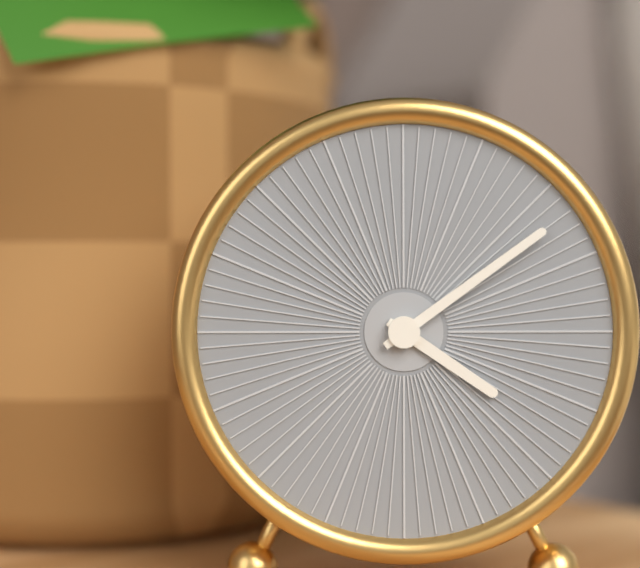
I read h=4 m=9
